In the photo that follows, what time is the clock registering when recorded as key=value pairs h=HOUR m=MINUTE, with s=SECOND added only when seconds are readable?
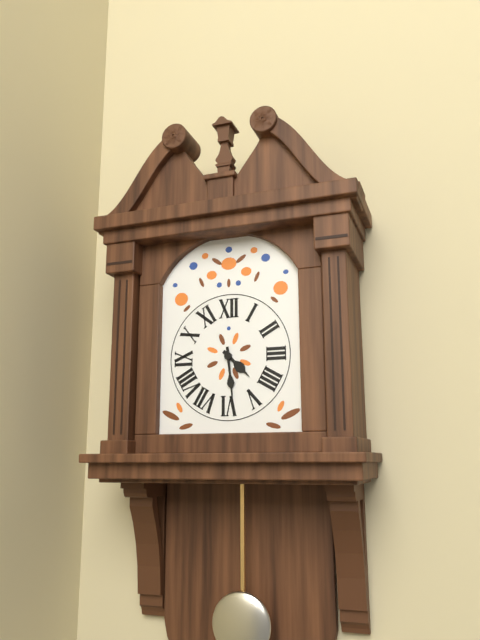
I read h=4 m=29
